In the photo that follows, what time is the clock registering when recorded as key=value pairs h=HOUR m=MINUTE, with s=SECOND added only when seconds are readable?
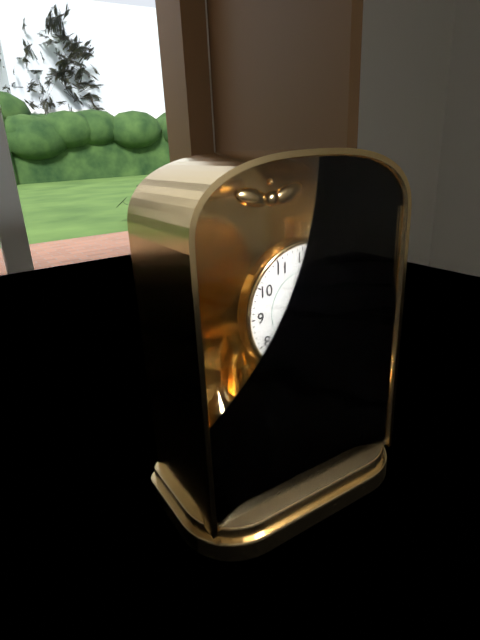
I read h=11 m=32 s=32
